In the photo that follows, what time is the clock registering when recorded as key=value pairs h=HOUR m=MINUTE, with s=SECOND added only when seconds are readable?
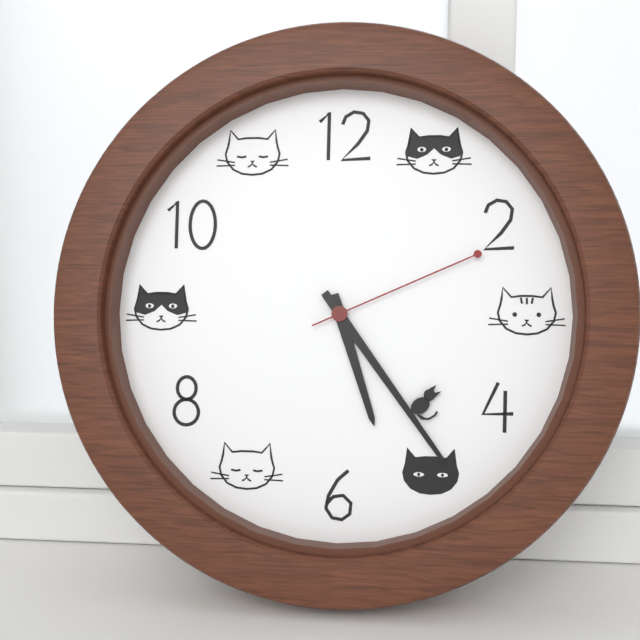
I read h=5 m=24 s=11
